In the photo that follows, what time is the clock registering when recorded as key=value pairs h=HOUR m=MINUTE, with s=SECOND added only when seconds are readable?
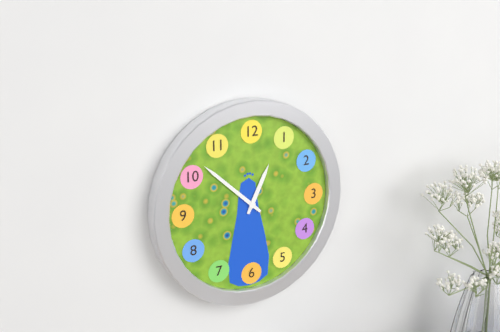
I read h=12 m=52
